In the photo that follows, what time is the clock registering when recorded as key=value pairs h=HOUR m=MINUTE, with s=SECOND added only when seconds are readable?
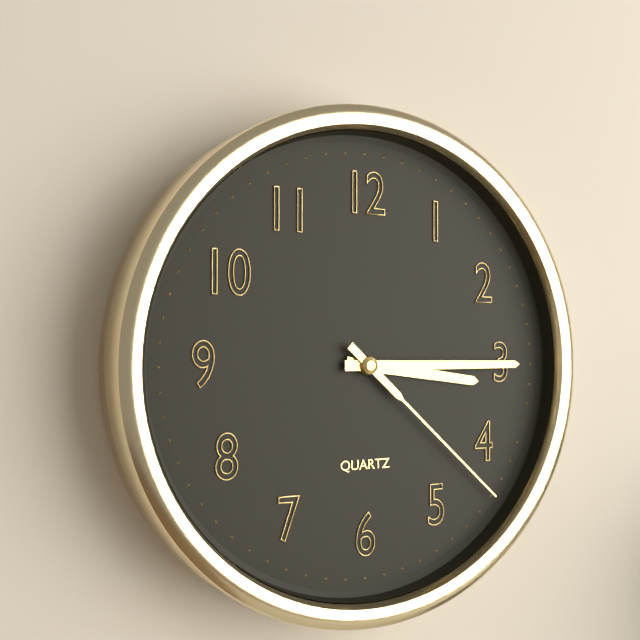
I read h=3 m=15 s=22
